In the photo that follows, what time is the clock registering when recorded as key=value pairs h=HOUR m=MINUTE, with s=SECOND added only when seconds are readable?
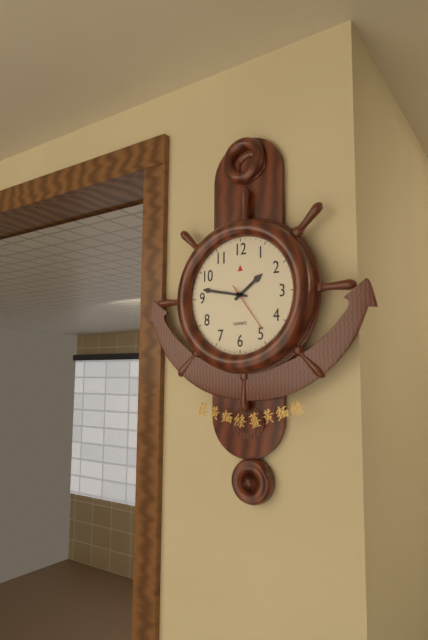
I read h=1 m=47 s=24
